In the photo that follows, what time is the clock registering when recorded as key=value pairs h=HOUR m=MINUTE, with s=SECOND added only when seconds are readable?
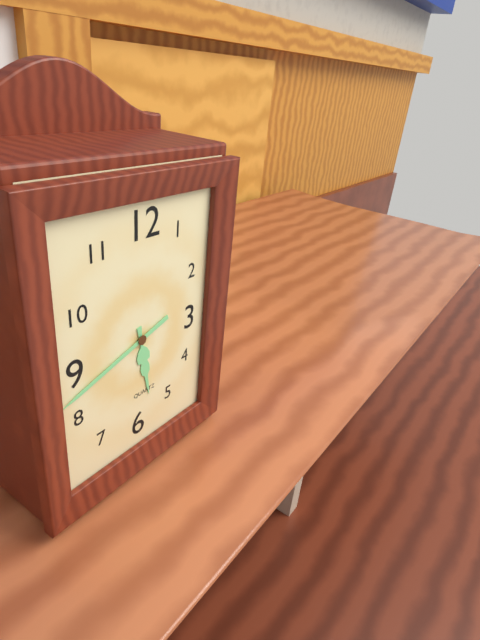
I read h=5 m=42
